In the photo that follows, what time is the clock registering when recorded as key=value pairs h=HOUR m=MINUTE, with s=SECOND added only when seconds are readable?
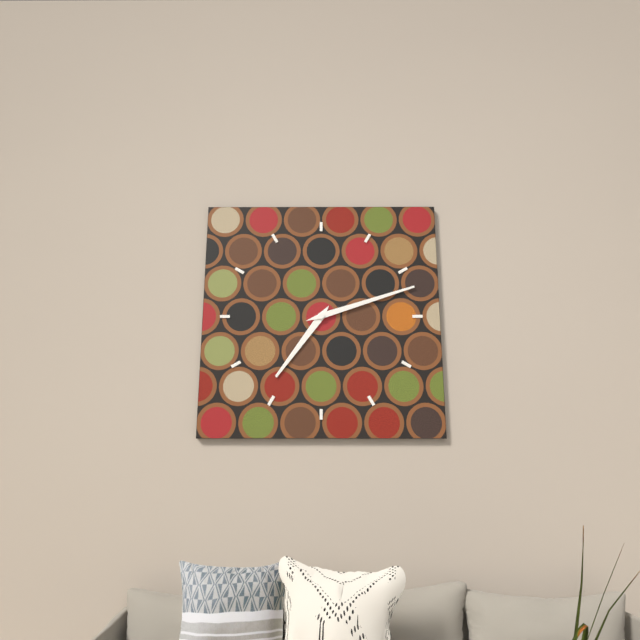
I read h=7 m=12
